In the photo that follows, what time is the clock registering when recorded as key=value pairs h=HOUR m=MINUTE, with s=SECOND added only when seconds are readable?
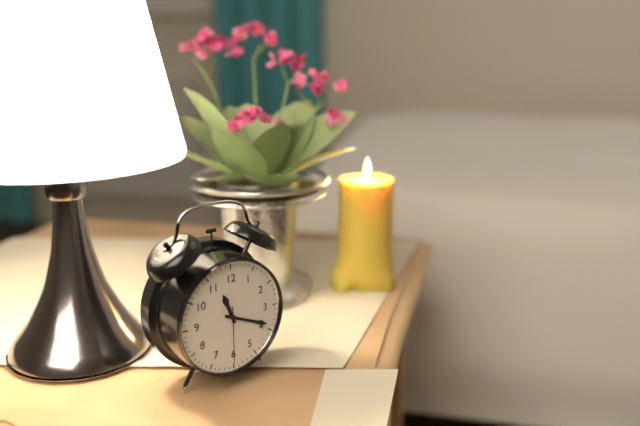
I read h=11 m=19 s=30
